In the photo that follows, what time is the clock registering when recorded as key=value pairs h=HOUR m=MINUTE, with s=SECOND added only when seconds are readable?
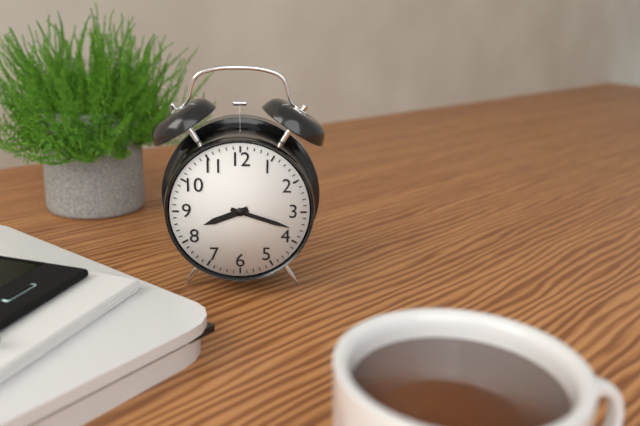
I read h=8 m=18
